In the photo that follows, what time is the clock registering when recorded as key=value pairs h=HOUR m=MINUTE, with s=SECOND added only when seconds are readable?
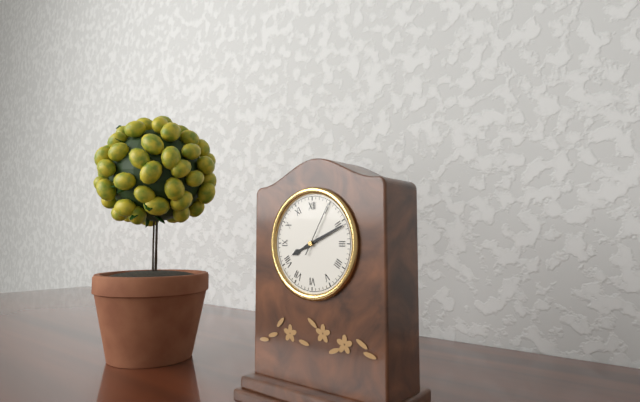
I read h=8 m=11 s=5
